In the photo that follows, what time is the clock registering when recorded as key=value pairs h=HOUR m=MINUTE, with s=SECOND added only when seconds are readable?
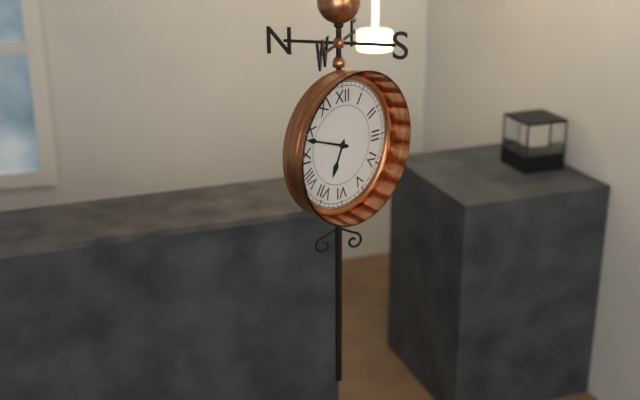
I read h=6 m=48
